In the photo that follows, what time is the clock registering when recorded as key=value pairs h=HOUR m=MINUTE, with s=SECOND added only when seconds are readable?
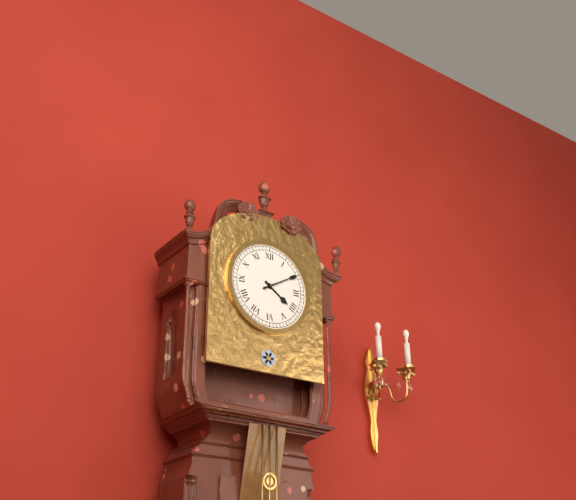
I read h=4 m=10
